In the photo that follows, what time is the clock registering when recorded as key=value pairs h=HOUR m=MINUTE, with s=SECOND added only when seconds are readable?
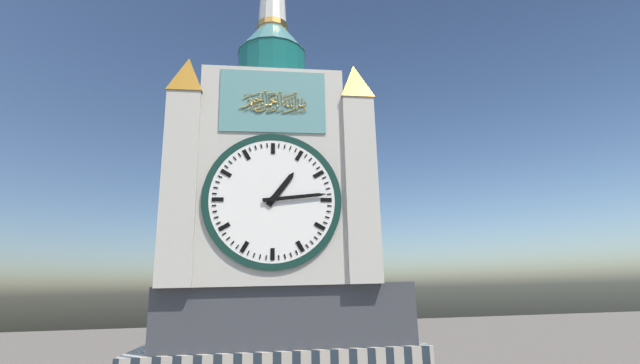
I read h=1 m=14
